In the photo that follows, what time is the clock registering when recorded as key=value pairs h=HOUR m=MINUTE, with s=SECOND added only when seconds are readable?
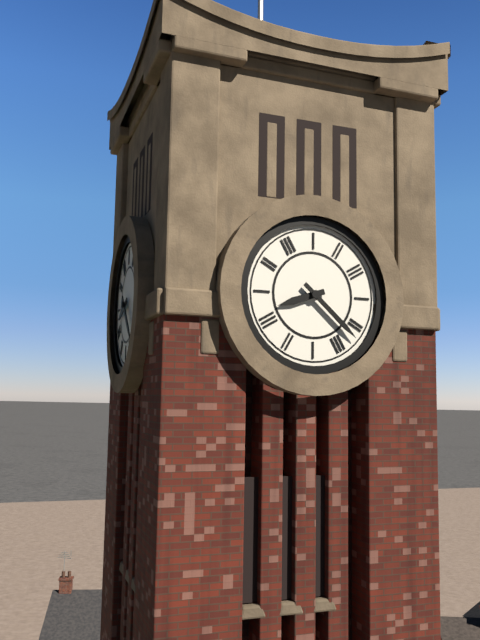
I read h=8 m=22
